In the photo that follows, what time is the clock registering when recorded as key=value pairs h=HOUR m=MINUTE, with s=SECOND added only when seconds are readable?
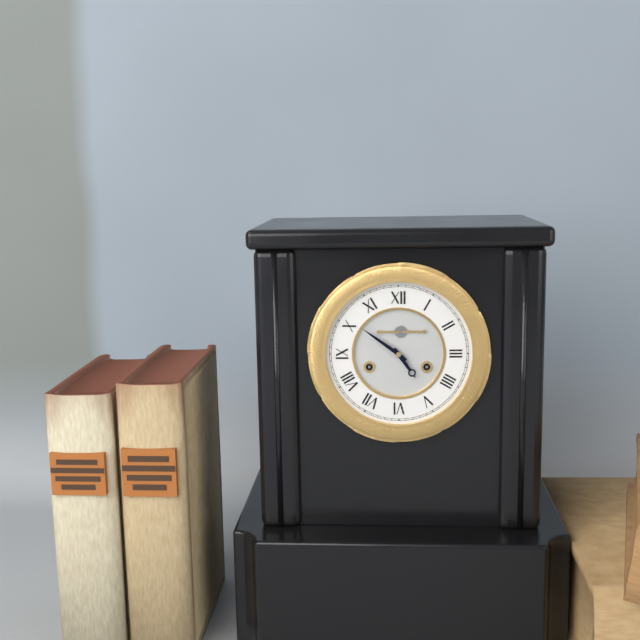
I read h=4 m=51
